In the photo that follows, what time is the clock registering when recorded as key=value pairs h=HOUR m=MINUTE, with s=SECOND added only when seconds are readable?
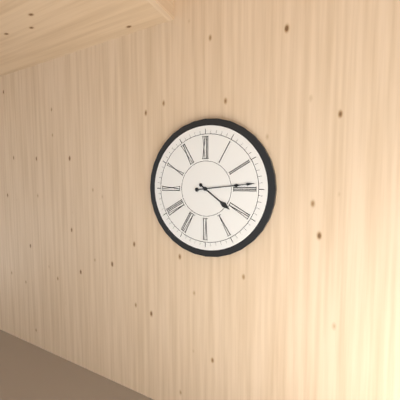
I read h=4 m=14
